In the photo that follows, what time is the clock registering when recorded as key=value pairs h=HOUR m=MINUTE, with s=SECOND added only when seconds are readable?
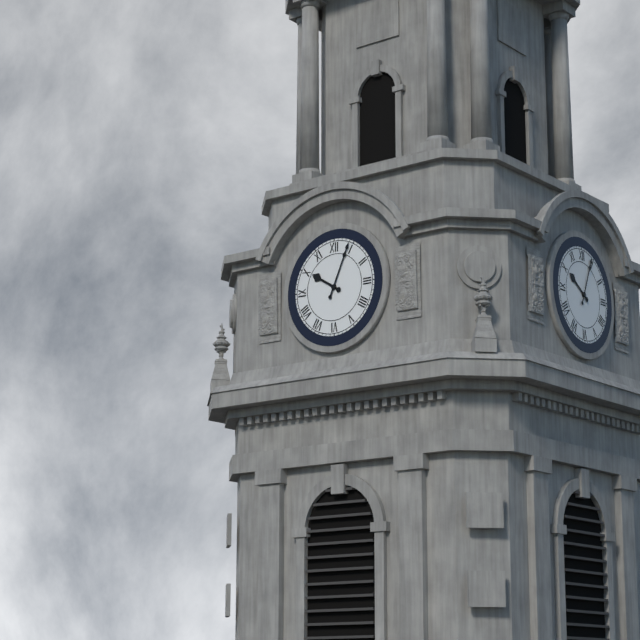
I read h=10 m=4
